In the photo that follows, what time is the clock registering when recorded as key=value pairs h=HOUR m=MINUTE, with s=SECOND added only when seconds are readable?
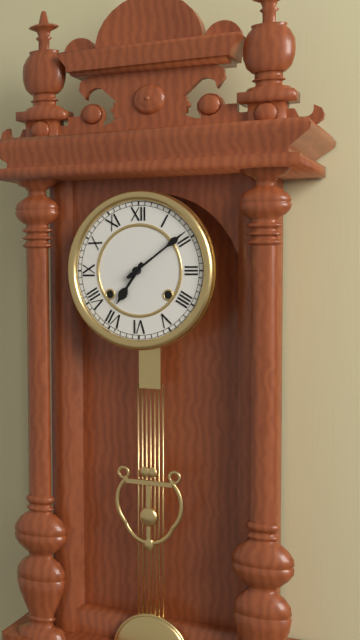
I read h=7 m=9
